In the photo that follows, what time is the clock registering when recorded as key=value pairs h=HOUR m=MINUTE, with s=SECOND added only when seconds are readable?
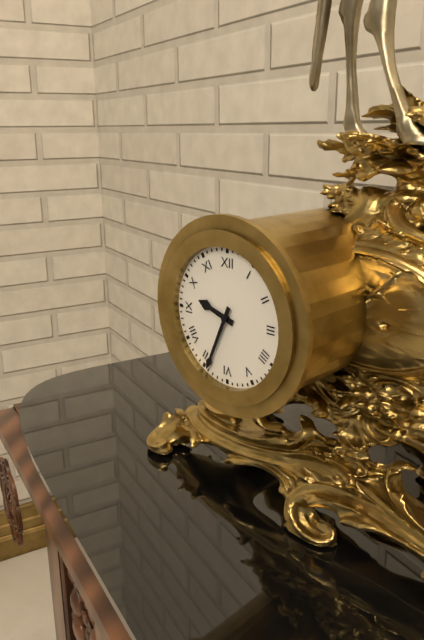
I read h=9 m=34
